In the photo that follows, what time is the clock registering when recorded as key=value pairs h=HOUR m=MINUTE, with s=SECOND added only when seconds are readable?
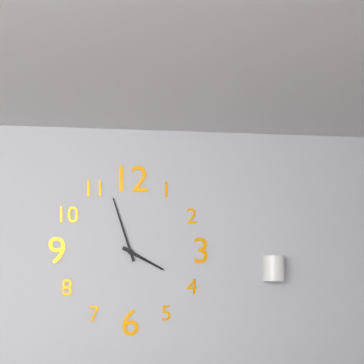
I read h=3 m=57
